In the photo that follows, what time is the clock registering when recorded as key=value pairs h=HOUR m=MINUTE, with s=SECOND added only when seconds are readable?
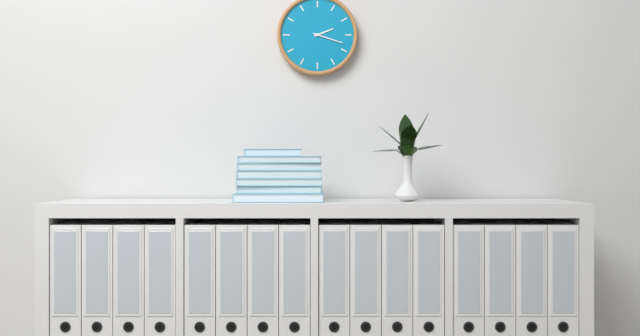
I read h=2 m=18
